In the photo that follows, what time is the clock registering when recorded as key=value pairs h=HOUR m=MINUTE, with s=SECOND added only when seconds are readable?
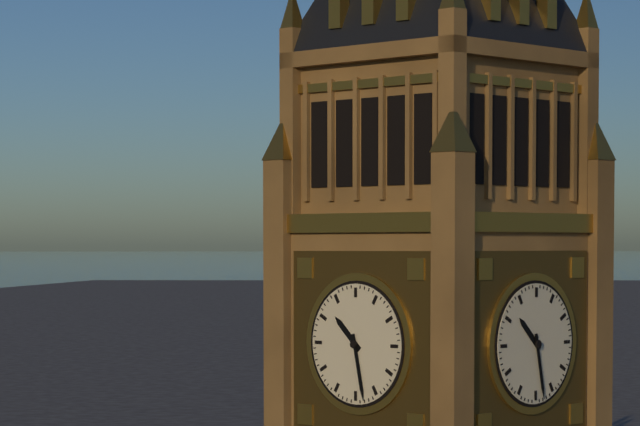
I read h=10 m=28
